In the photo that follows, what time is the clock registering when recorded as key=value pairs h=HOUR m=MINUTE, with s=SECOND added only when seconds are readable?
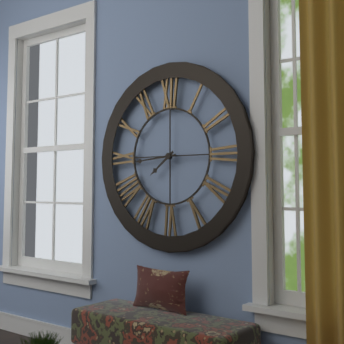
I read h=7 m=44
